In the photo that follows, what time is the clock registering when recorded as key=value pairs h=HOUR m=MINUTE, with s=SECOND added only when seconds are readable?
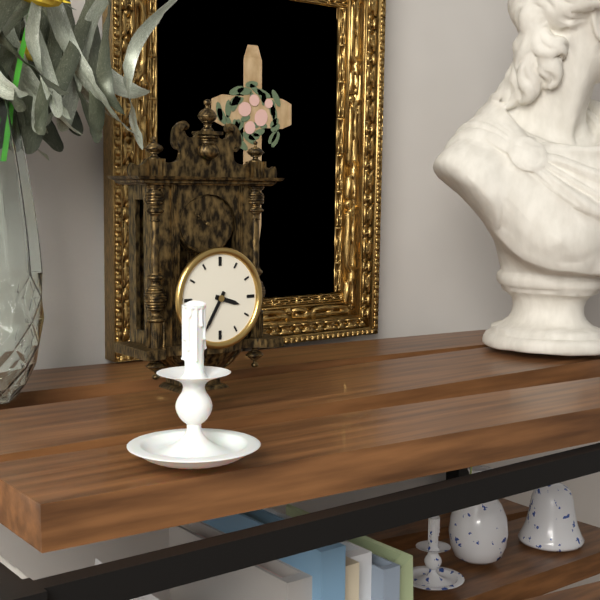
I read h=3 m=35
